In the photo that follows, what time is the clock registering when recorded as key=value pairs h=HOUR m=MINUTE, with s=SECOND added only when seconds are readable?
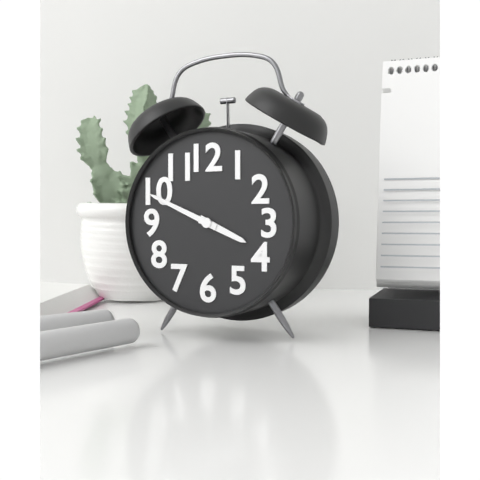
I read h=3 m=49
